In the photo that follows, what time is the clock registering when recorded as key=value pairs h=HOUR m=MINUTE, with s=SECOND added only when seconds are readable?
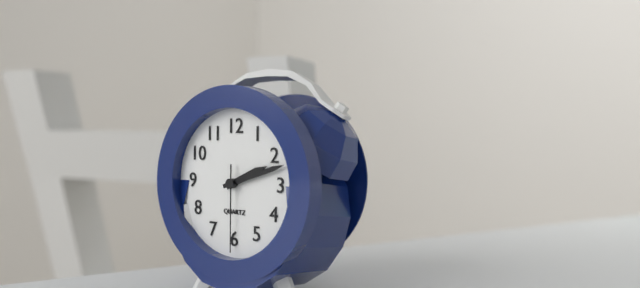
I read h=2 m=12 s=30
